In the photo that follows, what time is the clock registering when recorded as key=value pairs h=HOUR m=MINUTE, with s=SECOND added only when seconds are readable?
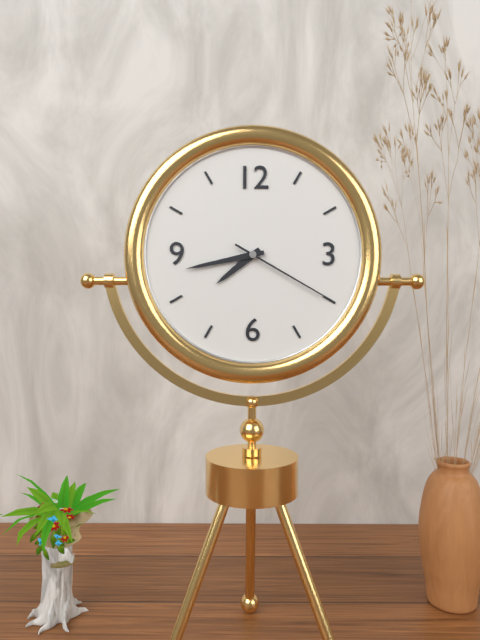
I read h=7 m=43 s=20
